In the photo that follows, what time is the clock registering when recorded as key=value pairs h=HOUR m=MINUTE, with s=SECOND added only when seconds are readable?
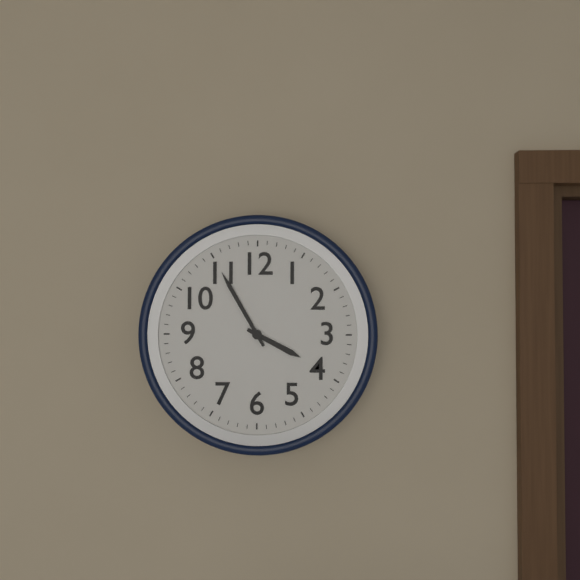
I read h=3 m=55
